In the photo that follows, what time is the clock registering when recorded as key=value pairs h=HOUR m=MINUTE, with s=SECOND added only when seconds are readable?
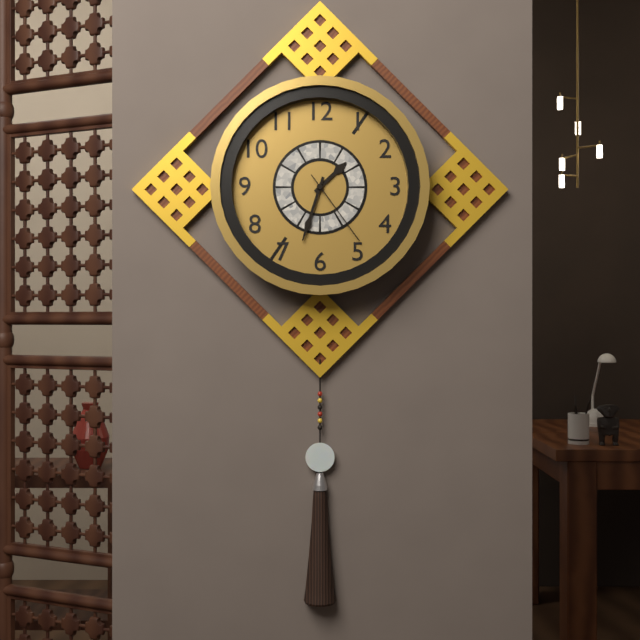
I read h=1 m=33 s=24
